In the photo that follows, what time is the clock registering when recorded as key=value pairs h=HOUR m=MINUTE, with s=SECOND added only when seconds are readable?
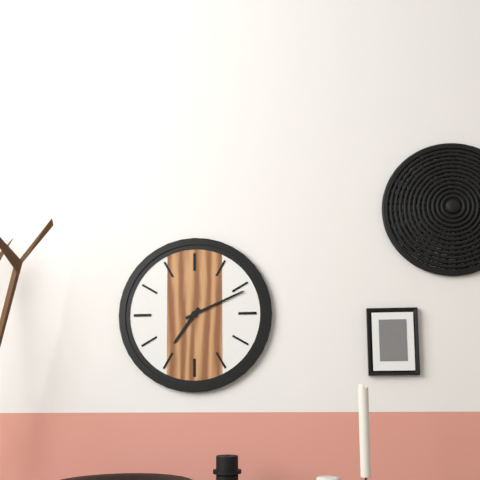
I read h=7 m=11
